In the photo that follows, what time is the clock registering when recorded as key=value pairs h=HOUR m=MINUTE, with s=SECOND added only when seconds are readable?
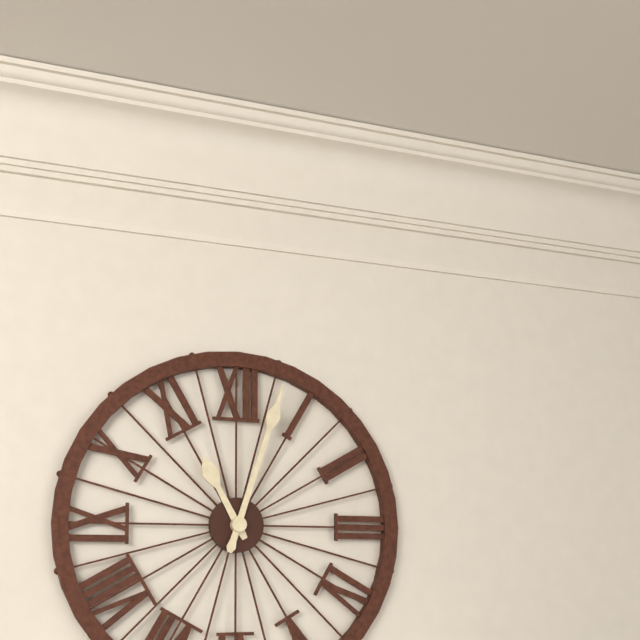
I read h=11 m=3
